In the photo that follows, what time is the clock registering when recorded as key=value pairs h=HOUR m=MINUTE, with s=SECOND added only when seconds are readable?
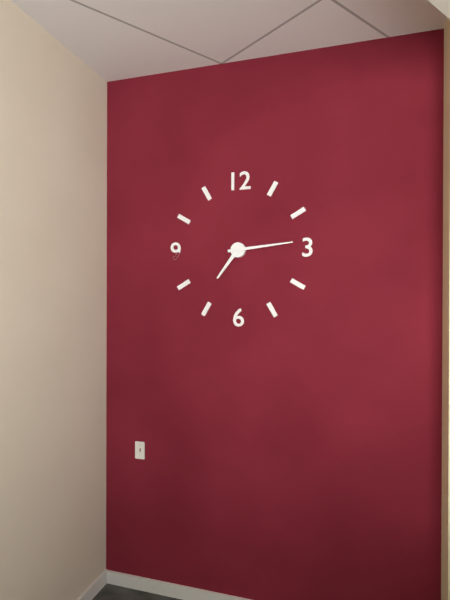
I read h=7 m=14
